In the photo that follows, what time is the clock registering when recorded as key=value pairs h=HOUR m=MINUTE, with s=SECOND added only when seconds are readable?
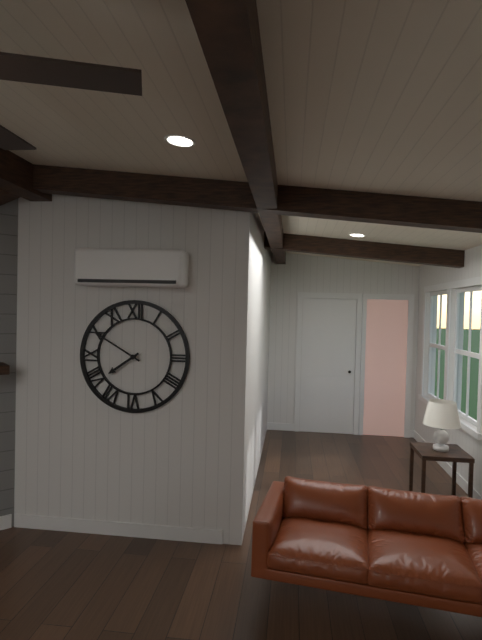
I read h=7 m=50
